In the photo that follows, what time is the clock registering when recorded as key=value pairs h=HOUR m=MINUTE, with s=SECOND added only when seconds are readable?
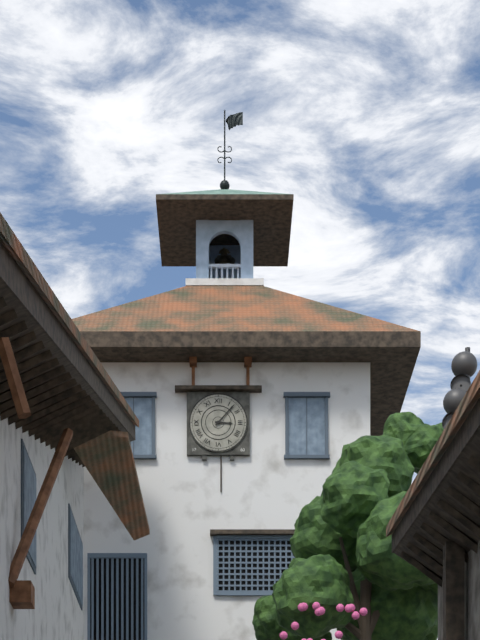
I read h=3 m=7
